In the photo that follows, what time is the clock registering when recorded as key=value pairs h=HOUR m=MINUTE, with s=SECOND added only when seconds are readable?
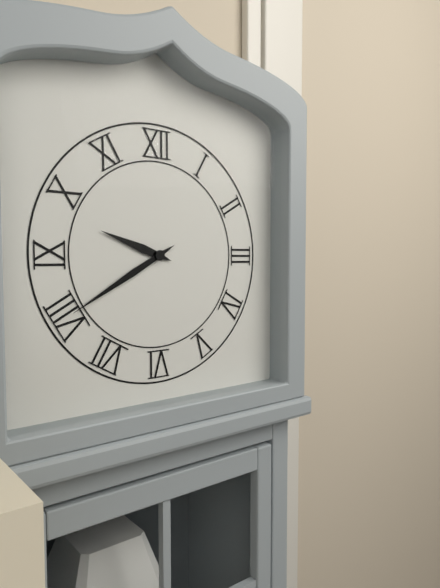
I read h=9 m=40
